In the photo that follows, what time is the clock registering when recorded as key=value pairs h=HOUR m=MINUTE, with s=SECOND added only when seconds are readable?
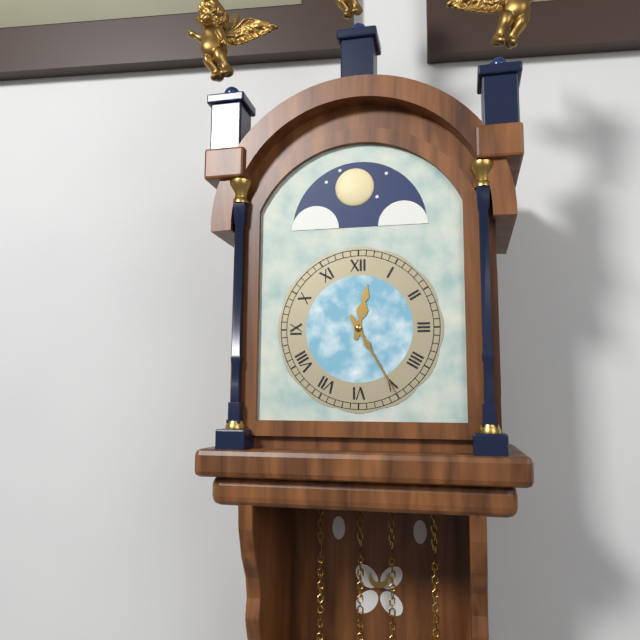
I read h=12 m=25
